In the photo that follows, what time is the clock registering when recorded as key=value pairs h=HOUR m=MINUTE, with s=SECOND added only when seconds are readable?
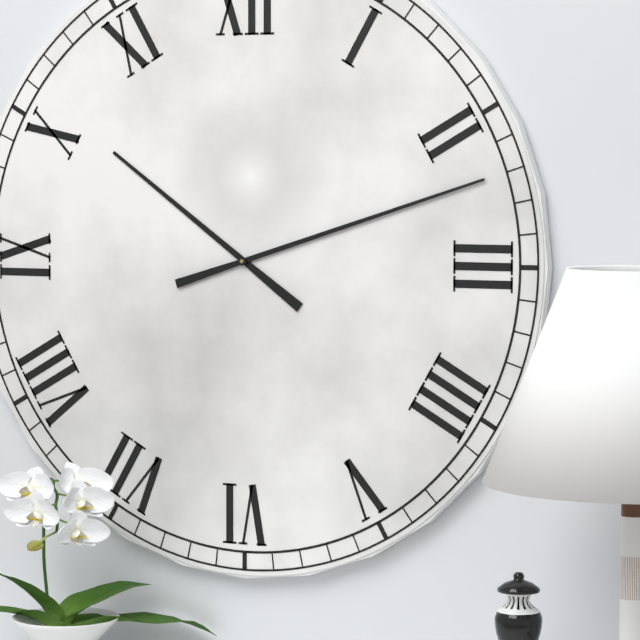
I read h=10 m=12
